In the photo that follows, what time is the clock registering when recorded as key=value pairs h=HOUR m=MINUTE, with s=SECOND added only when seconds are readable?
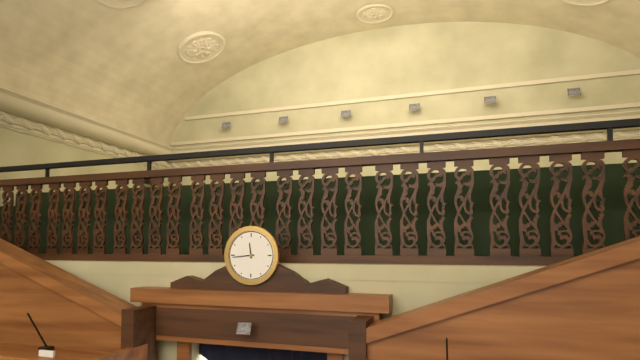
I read h=11 m=44
